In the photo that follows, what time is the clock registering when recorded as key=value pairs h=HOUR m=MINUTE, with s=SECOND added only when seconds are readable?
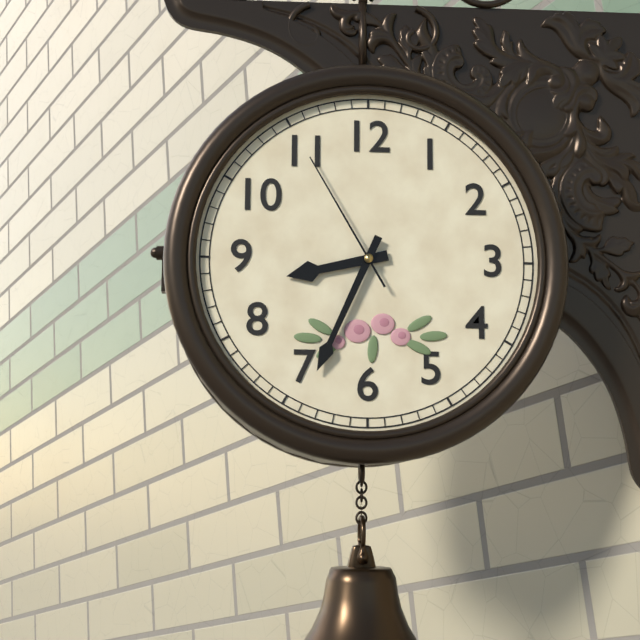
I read h=8 m=34 s=55
